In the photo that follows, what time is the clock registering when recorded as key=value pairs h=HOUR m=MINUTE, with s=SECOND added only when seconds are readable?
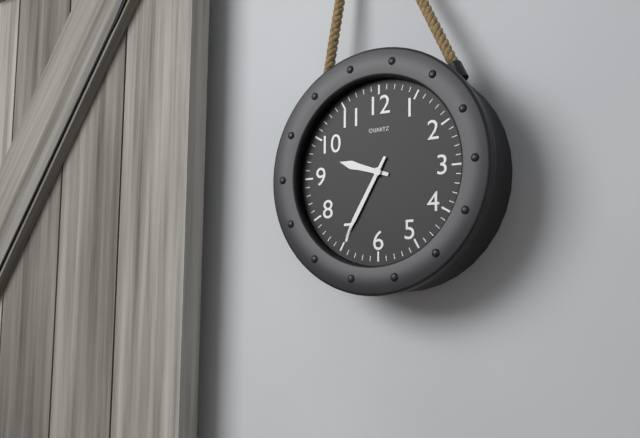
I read h=9 m=35
